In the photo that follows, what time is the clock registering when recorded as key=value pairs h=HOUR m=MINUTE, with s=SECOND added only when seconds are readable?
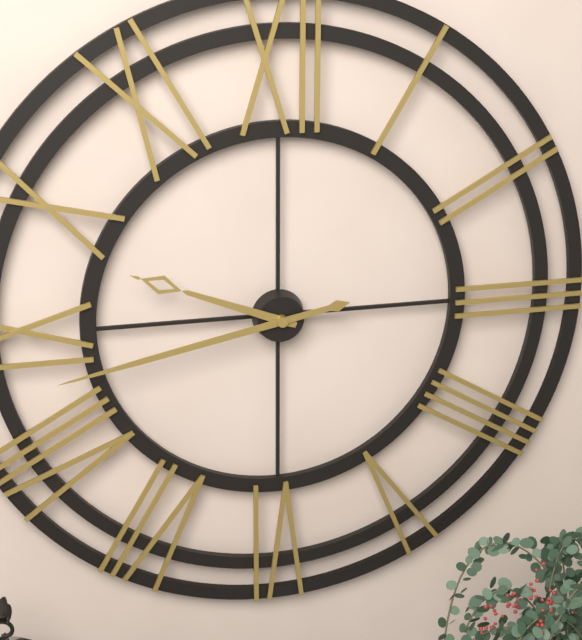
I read h=9 m=43
